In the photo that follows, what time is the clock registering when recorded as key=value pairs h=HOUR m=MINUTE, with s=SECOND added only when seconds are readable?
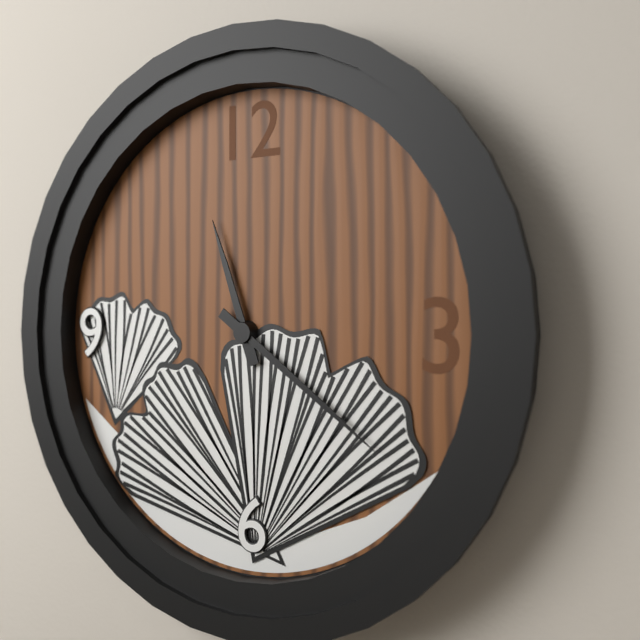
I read h=11 m=21
